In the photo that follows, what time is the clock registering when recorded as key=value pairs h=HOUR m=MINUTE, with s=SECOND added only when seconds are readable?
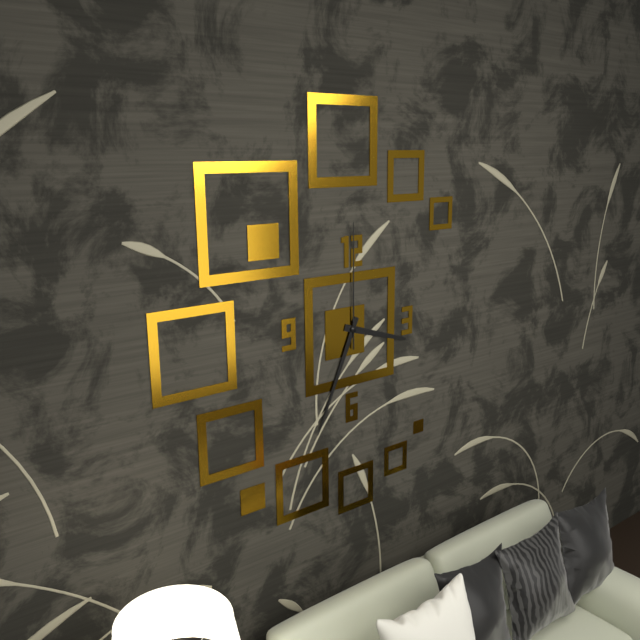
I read h=3 m=34 s=0
